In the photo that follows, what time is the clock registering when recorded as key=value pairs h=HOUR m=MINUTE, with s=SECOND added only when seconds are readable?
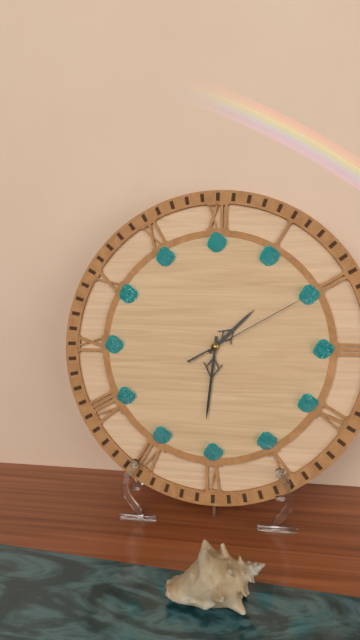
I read h=1 m=31 s=10
